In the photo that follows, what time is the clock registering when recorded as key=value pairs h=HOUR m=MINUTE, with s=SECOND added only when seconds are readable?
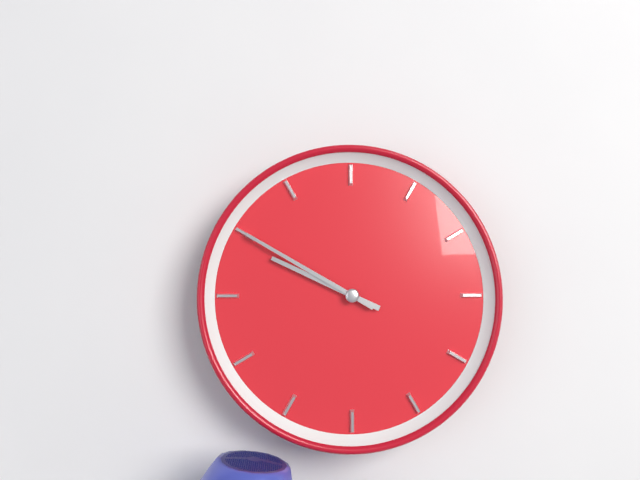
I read h=9 m=50
